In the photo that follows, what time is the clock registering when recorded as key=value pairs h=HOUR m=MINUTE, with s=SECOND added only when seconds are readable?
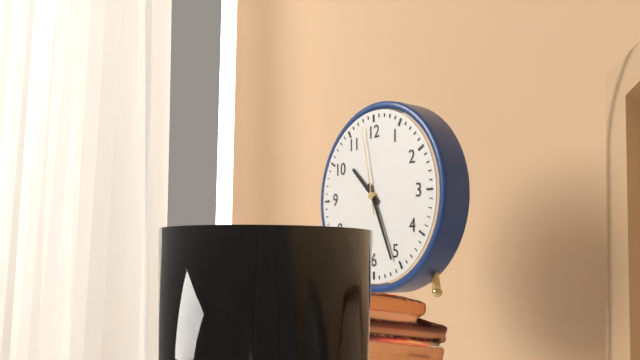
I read h=10 m=26 s=58
